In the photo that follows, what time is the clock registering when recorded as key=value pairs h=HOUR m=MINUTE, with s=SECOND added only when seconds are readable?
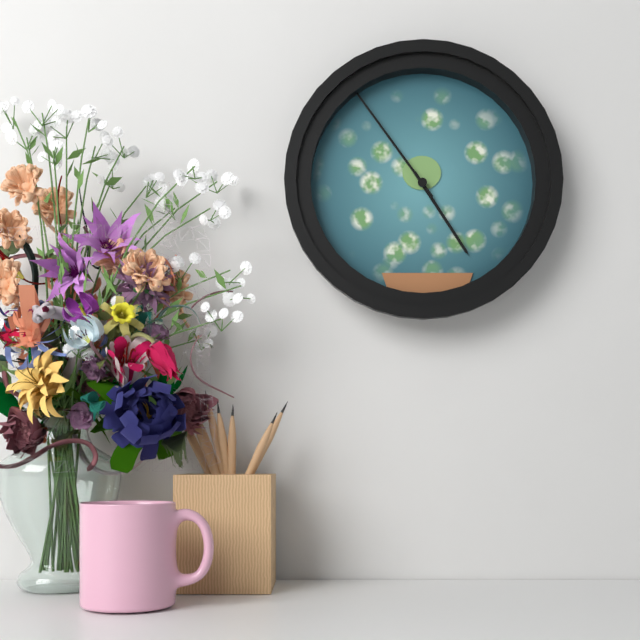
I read h=4 m=54
